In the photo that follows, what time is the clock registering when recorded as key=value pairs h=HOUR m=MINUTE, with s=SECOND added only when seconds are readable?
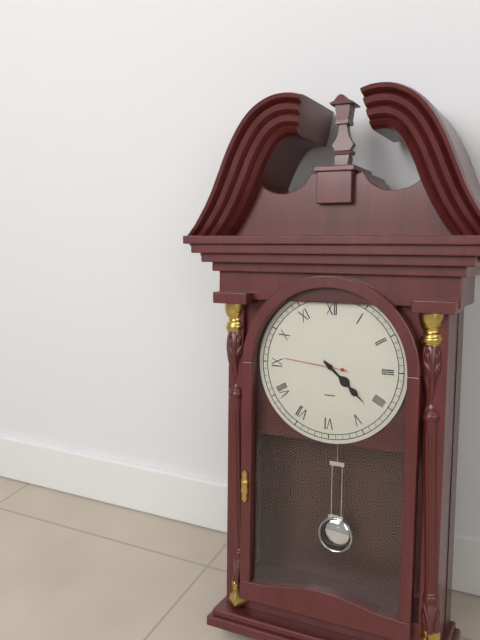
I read h=4 m=22 s=46
